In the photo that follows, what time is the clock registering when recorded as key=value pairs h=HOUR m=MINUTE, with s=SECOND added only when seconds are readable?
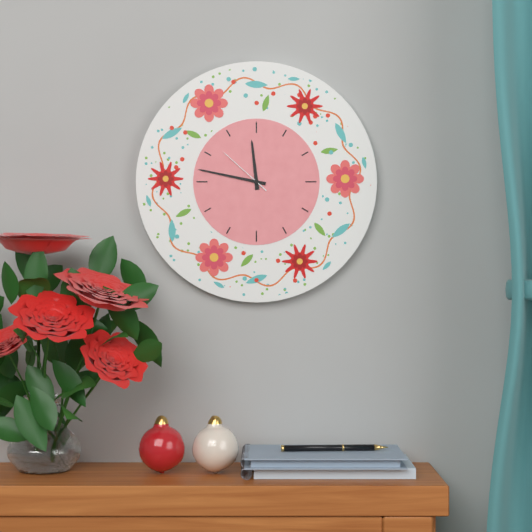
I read h=11 m=47 s=52
